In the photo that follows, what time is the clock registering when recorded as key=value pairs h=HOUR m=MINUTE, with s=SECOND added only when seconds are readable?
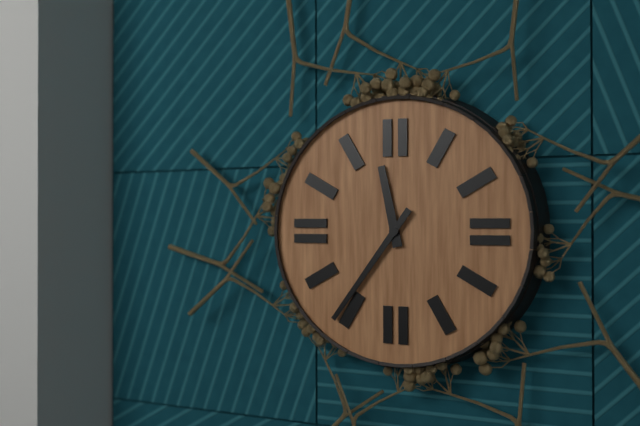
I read h=11 m=36
